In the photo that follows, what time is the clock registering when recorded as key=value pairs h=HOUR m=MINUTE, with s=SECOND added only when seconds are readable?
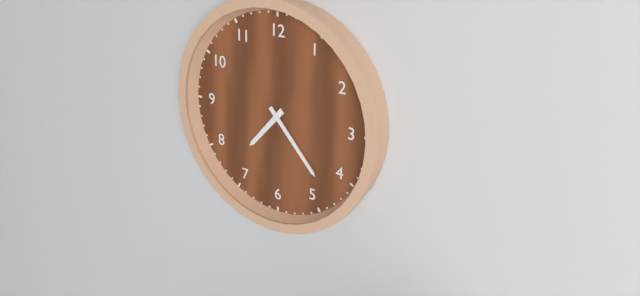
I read h=7 m=23
